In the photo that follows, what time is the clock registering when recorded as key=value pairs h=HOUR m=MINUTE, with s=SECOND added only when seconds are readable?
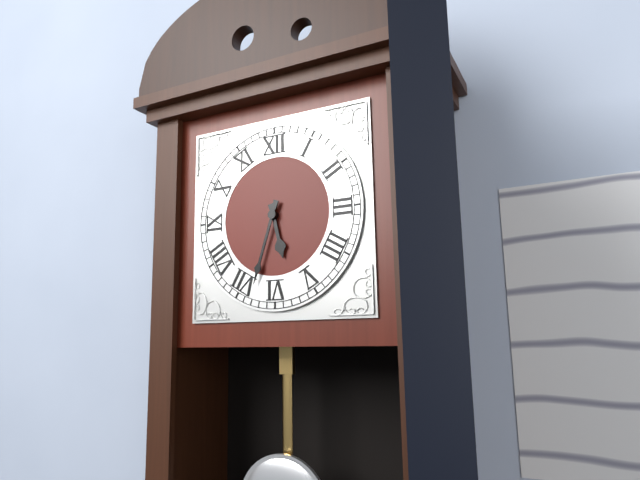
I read h=5 m=33
